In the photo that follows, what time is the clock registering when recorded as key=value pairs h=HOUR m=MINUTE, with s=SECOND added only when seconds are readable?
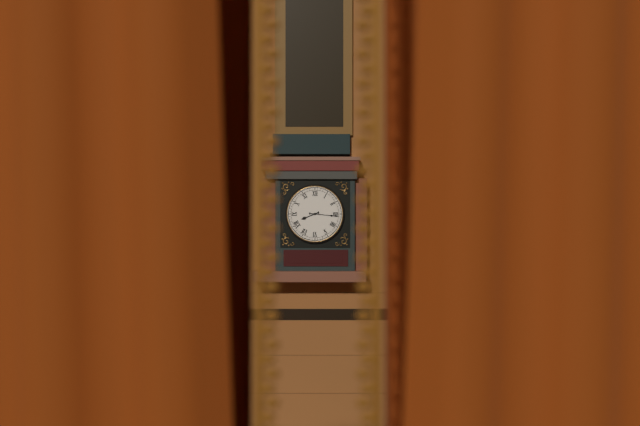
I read h=8 m=16
